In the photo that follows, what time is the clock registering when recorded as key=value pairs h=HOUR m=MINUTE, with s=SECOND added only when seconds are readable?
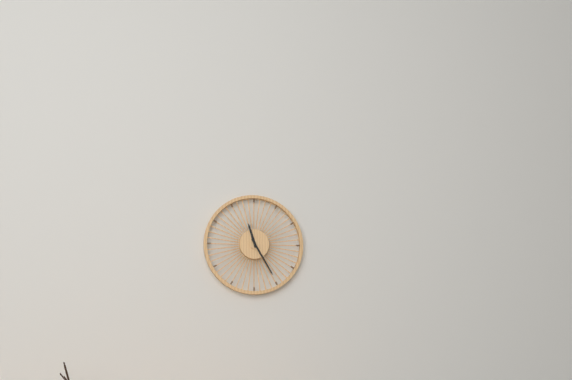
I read h=11 m=25
